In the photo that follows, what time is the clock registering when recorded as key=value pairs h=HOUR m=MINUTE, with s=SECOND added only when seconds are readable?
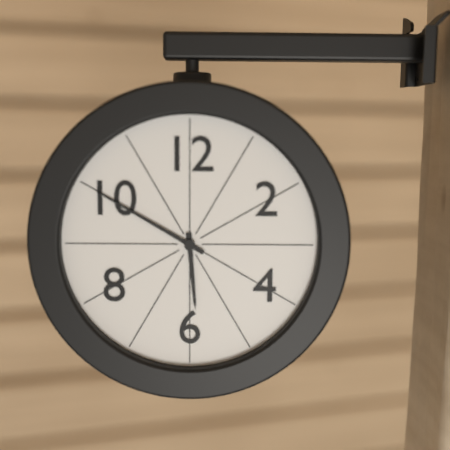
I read h=5 m=50
